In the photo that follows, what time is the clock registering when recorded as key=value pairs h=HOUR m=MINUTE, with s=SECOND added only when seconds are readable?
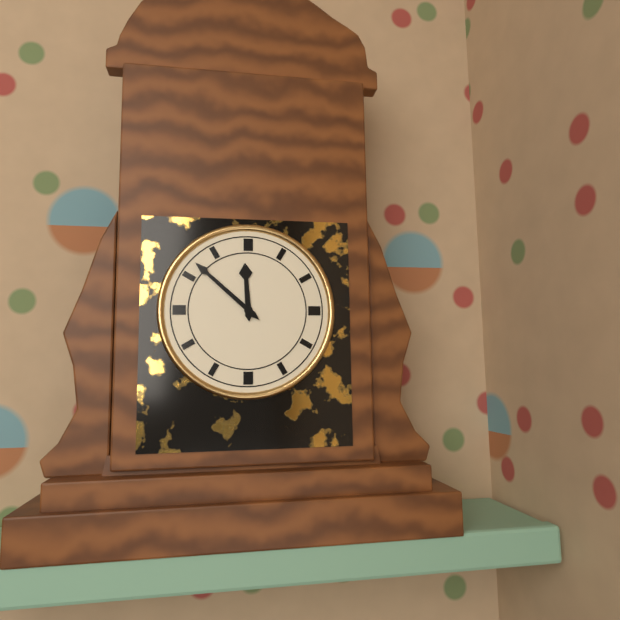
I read h=11 m=52
